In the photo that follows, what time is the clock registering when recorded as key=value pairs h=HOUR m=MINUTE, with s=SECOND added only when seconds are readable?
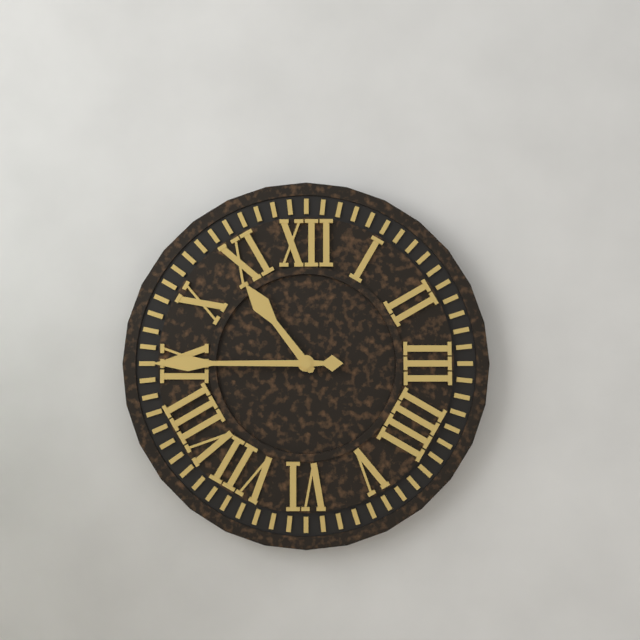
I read h=10 m=45
